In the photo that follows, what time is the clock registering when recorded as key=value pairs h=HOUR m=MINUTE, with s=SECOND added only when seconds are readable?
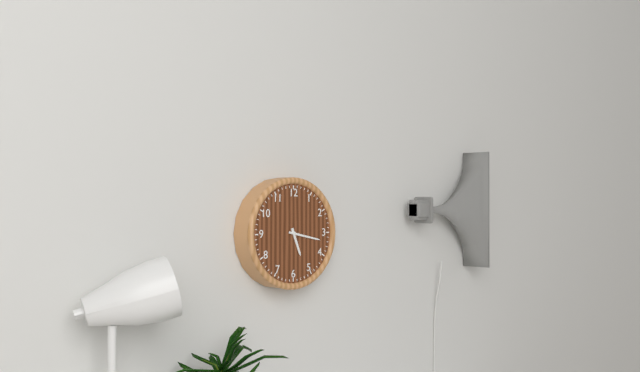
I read h=5 m=17
